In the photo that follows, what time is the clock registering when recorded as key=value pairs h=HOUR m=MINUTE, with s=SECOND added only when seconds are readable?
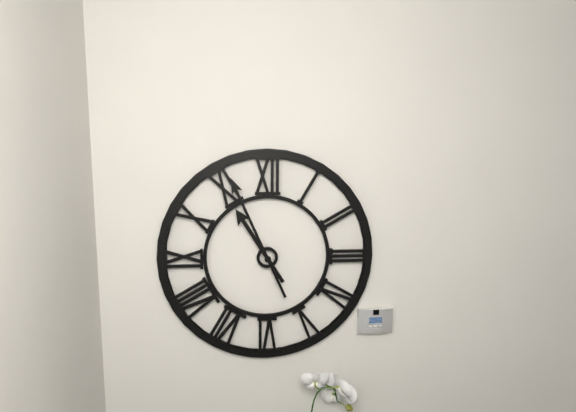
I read h=10 m=56
